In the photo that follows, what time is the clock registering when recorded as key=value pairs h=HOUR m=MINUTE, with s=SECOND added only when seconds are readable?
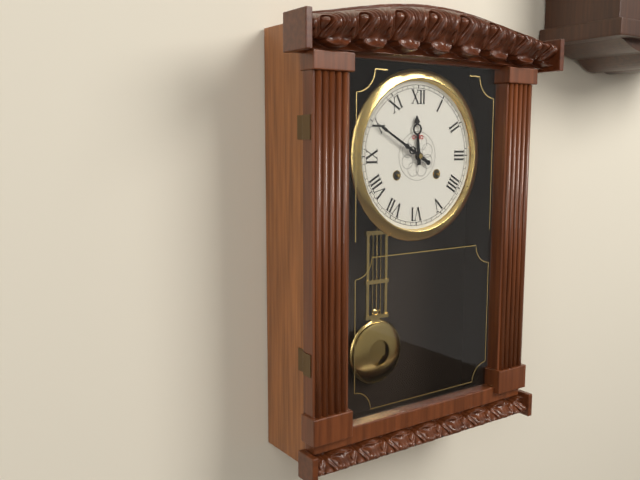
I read h=11 m=50
